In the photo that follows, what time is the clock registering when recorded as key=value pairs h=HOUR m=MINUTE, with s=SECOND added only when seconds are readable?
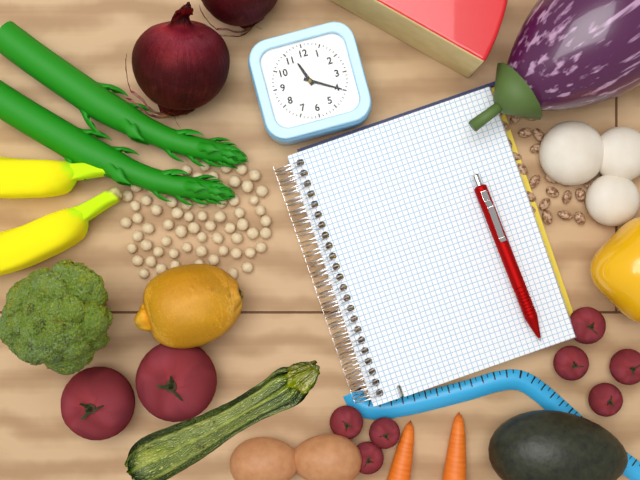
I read h=11 m=20
